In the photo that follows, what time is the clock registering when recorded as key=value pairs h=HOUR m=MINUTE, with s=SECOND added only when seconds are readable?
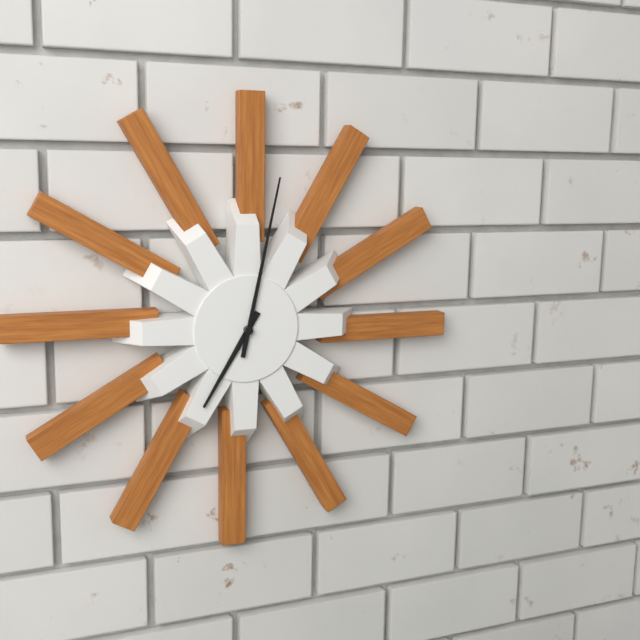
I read h=7 m=2
